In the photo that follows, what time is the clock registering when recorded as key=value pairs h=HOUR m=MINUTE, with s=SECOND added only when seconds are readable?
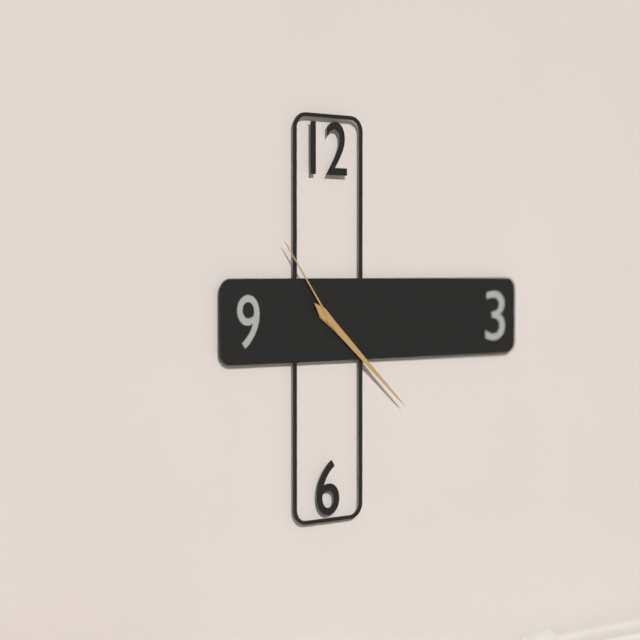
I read h=4 m=22 s=54
